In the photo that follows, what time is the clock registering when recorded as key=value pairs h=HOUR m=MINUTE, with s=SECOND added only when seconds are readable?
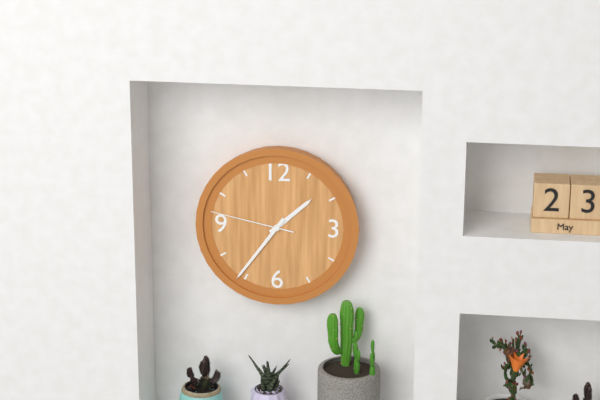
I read h=1 m=36 s=47
